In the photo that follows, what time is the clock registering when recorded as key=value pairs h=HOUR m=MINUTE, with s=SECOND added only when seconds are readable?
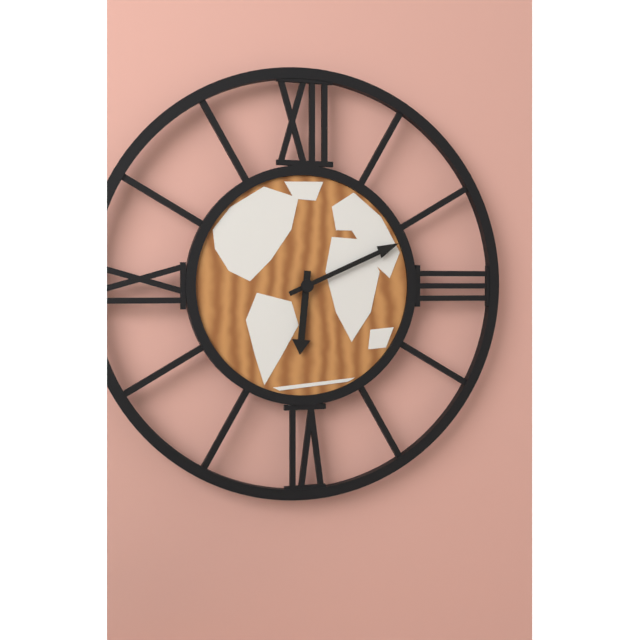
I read h=6 m=11
